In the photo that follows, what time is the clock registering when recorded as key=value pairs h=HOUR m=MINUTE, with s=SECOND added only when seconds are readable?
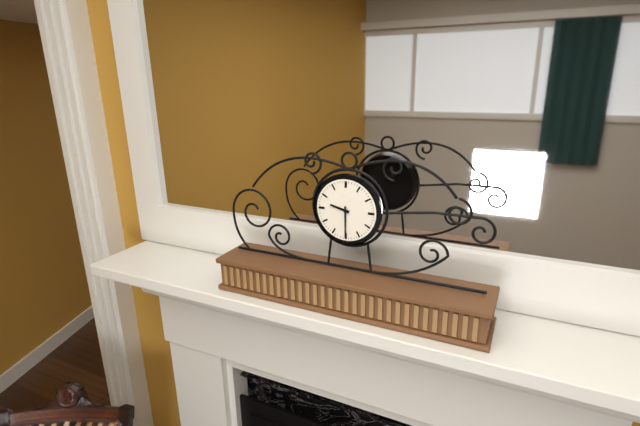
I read h=9 m=30
